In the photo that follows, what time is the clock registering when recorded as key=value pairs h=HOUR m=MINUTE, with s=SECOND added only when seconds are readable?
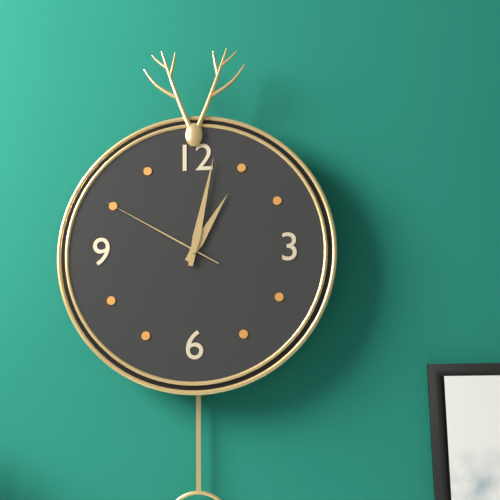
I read h=1 m=2 s=50
